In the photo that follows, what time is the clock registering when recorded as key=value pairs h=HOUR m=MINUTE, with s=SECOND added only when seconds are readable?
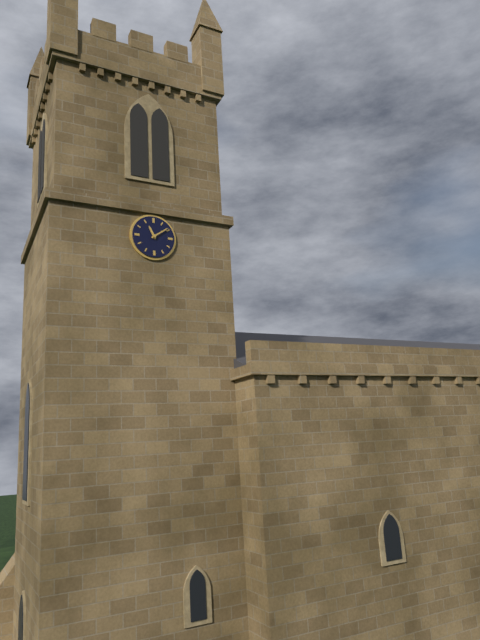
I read h=11 m=9
